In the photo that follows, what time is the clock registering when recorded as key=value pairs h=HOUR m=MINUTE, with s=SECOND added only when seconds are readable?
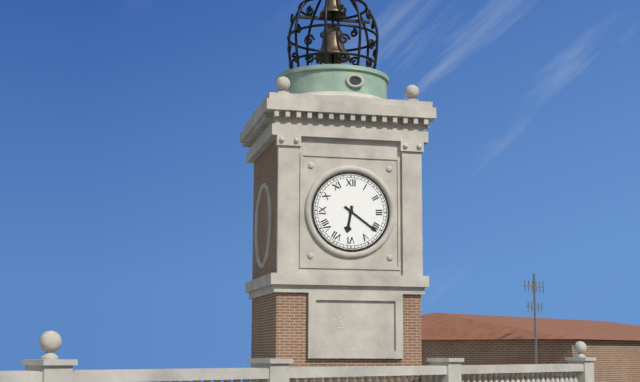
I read h=6 m=21
